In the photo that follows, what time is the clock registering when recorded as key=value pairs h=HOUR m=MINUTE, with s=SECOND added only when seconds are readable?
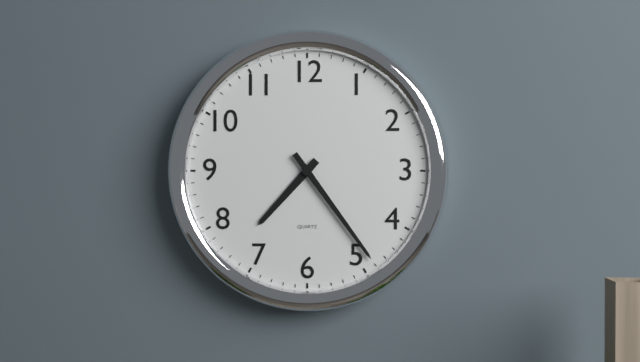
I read h=7 m=24
